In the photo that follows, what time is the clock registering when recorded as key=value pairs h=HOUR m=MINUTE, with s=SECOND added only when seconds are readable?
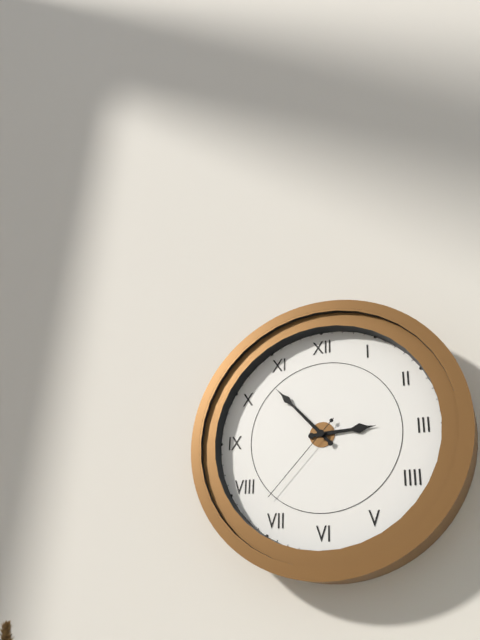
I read h=2 m=53 s=37
